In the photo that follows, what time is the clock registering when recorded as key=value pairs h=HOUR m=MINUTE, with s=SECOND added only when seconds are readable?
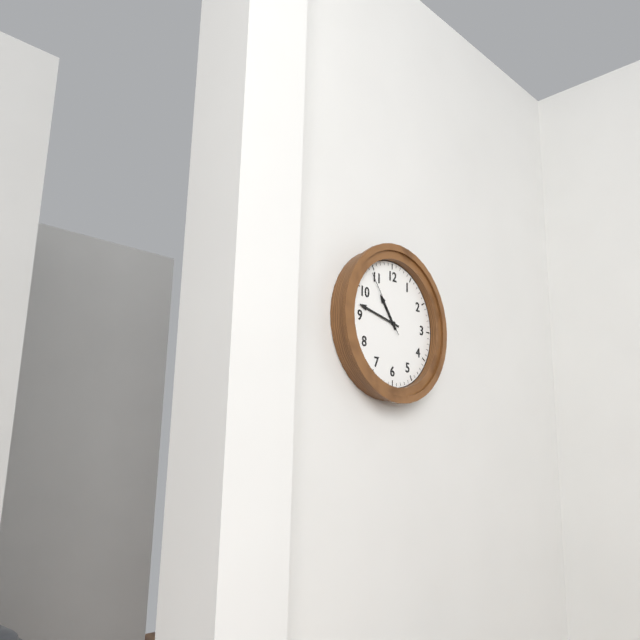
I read h=10 m=47 s=54
